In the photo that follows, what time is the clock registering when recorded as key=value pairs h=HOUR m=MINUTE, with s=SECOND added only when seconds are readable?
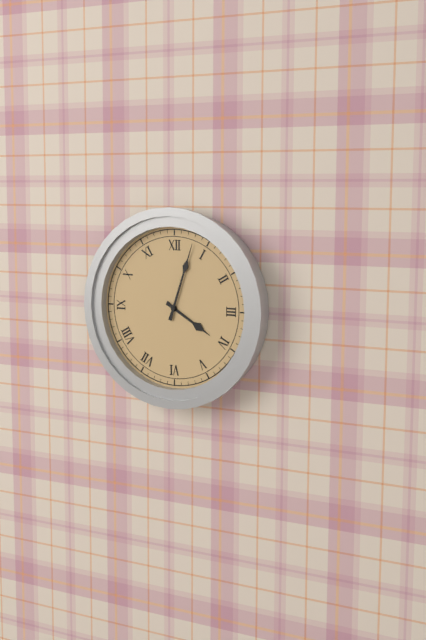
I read h=4 m=3
